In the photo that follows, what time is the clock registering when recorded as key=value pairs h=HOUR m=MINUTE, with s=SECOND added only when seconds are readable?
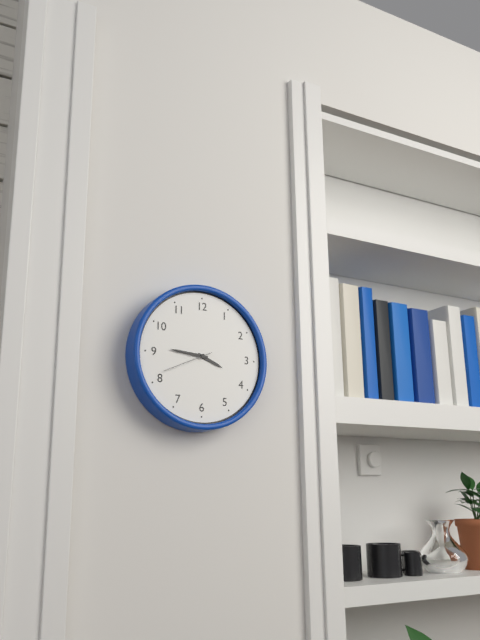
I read h=3 m=46 s=41
